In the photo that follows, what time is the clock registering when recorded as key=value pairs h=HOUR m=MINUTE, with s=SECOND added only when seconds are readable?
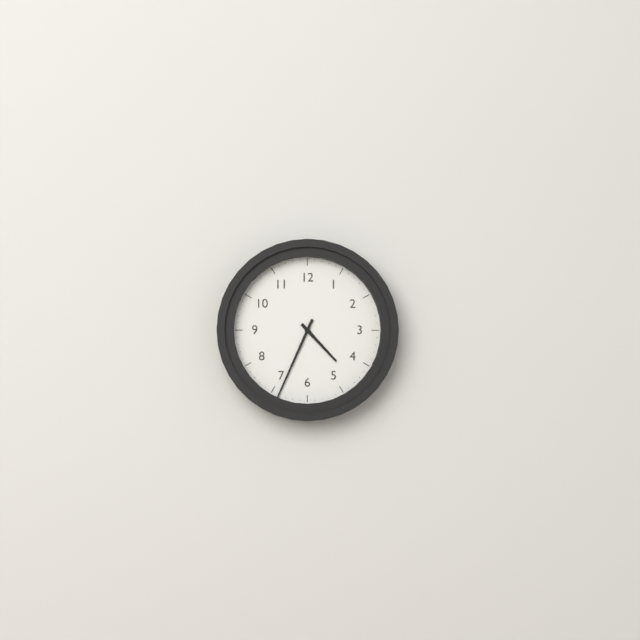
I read h=4 m=34
